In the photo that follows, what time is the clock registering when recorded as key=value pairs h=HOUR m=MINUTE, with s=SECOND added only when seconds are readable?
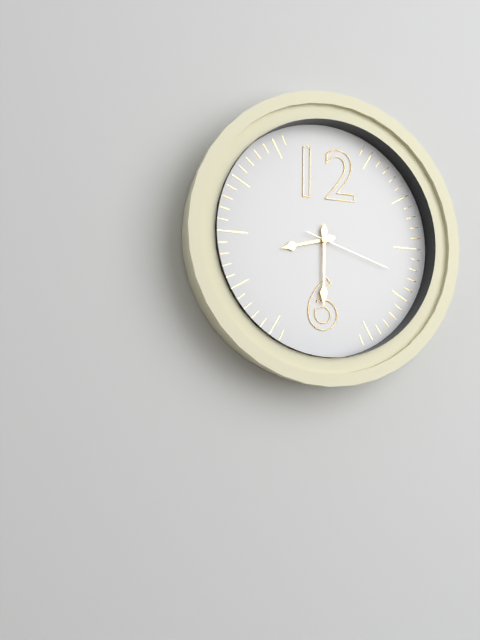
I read h=8 m=30 s=18
